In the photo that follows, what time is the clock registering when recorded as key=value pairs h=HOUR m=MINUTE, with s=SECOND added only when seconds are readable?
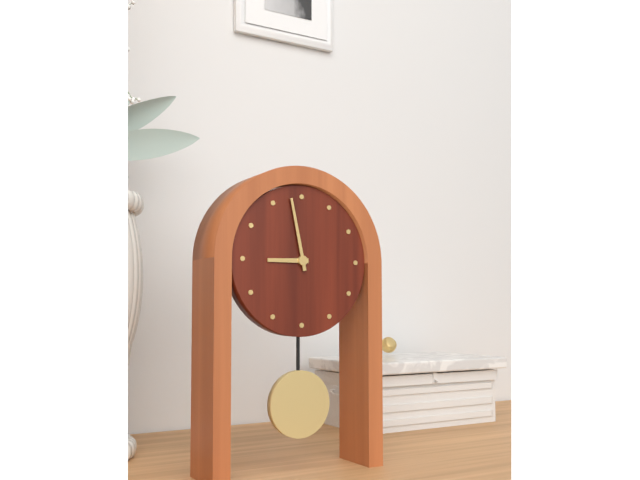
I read h=8 m=58
